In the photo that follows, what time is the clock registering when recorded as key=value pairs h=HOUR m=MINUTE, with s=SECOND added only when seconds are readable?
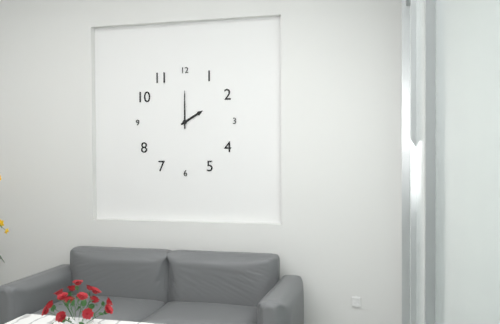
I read h=2 m=0
